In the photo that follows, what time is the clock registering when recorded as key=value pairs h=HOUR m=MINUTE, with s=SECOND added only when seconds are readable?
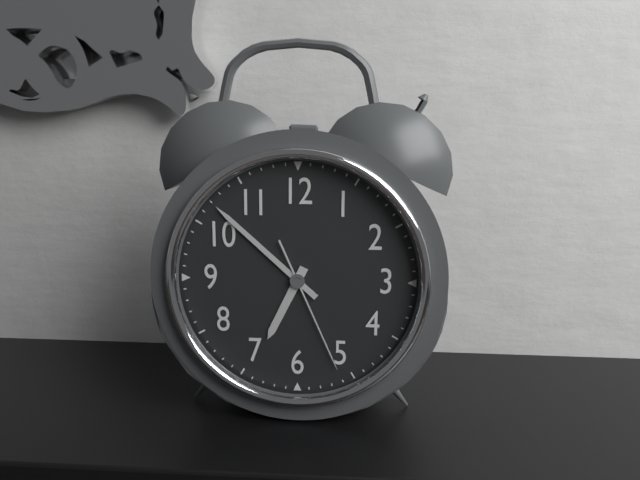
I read h=6 m=52 s=26
